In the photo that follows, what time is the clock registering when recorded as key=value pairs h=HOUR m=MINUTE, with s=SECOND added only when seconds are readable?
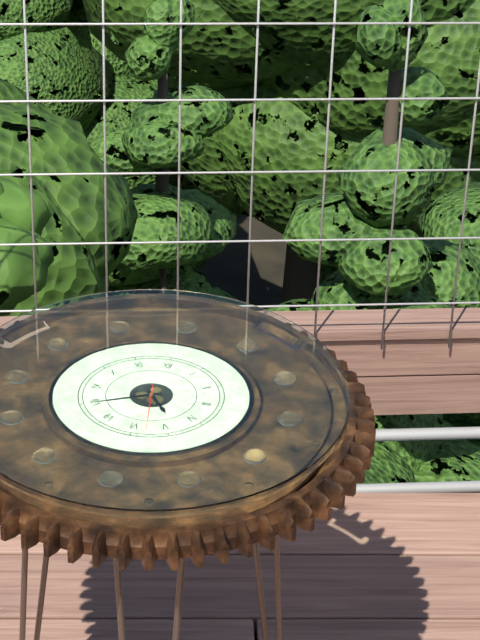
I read h=4 m=40
